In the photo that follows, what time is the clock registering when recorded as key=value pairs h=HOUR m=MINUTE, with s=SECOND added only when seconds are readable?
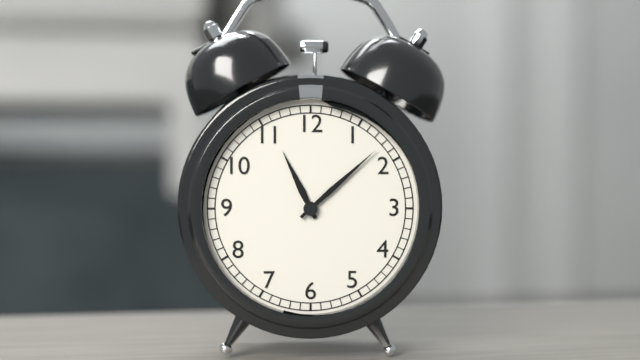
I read h=11 m=8
